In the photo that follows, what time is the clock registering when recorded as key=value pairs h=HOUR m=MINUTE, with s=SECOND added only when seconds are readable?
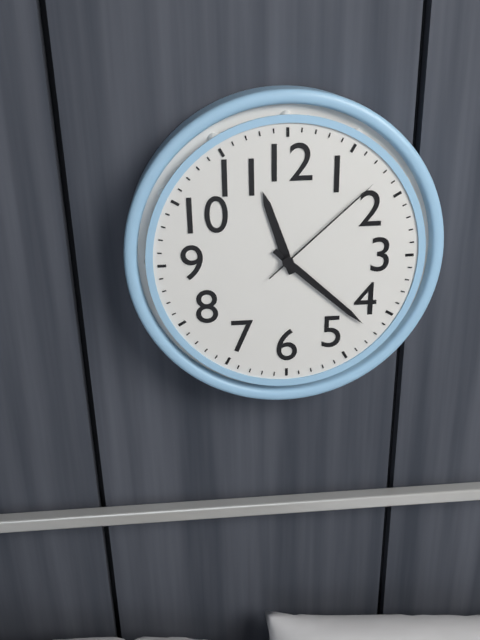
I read h=11 m=22 s=8
